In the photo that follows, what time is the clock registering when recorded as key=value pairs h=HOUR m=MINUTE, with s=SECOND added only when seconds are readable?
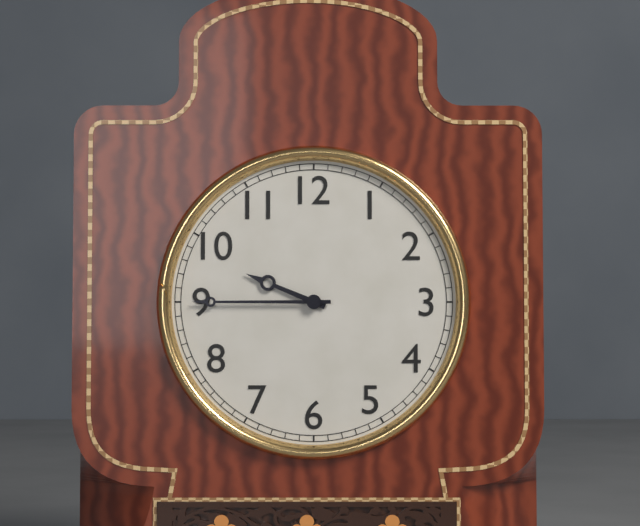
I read h=9 m=45
